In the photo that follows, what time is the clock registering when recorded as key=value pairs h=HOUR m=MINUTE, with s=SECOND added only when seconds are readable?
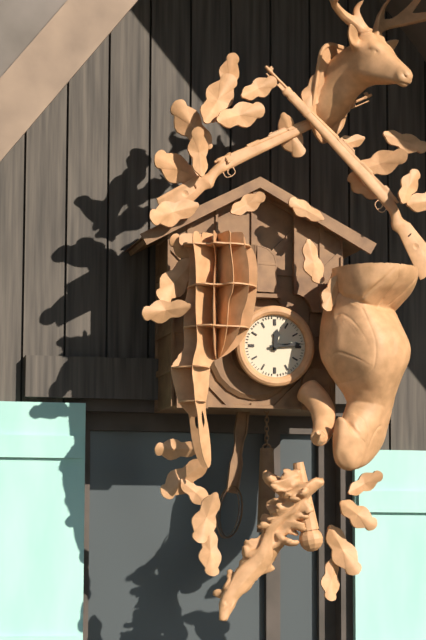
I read h=12 m=14
